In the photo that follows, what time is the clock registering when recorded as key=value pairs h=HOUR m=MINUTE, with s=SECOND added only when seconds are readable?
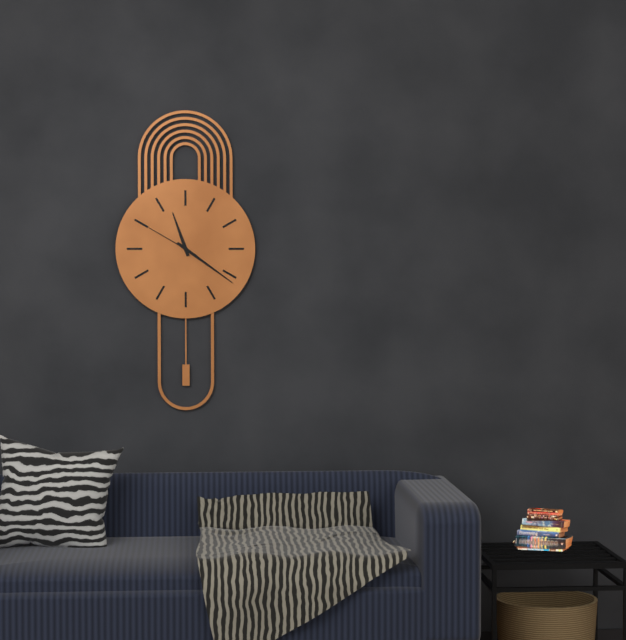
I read h=11 m=21 s=50
